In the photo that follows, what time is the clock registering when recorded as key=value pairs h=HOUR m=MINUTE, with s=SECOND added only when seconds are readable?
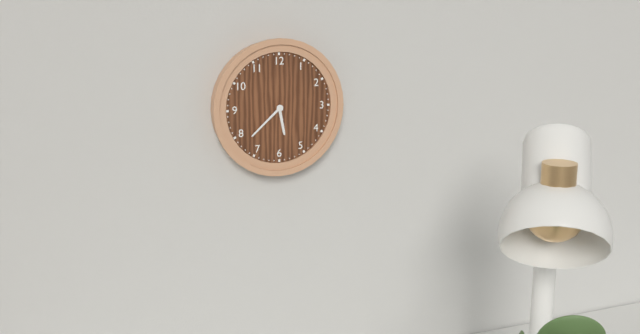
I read h=5 m=38
